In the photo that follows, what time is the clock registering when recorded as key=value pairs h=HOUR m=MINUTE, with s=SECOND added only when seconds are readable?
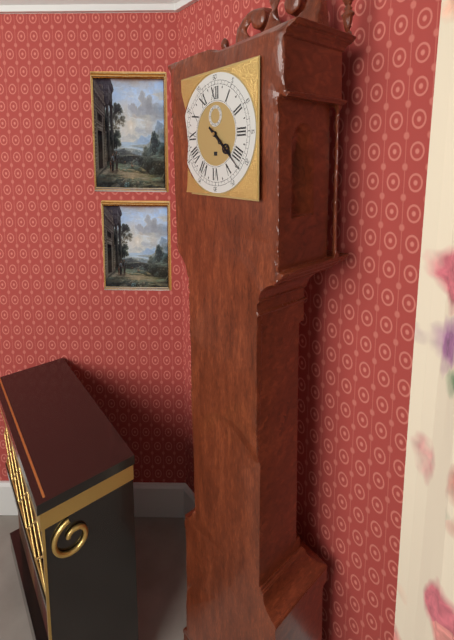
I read h=4 m=22
